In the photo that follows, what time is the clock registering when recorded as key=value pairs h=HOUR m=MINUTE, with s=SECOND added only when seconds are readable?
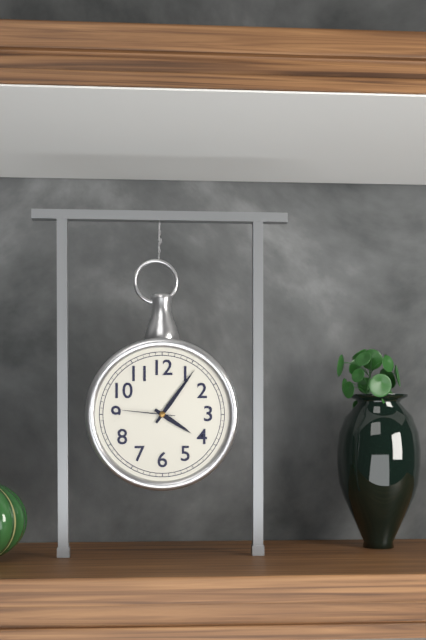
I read h=4 m=6 s=46
